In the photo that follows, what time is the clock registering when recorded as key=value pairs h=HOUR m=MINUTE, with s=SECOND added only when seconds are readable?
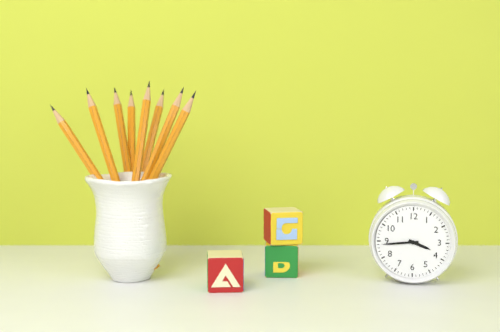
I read h=3 m=44
